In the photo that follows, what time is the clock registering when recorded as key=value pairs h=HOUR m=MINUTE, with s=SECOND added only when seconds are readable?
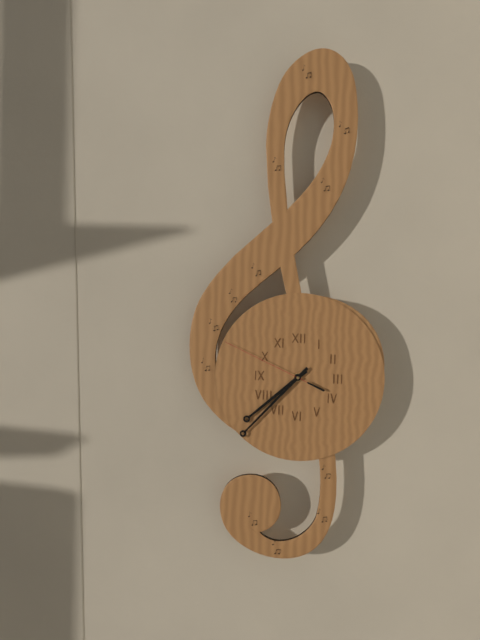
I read h=7 m=37 s=49
